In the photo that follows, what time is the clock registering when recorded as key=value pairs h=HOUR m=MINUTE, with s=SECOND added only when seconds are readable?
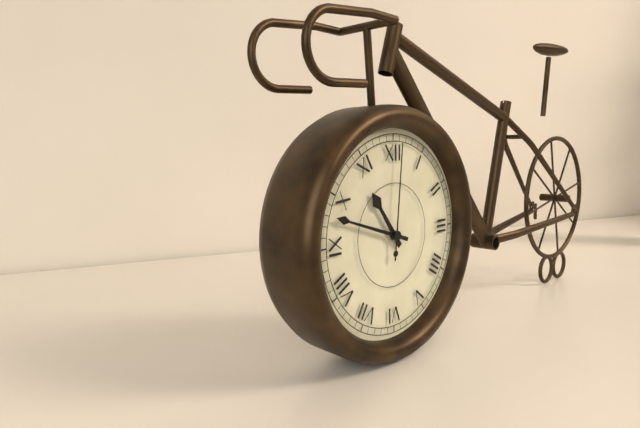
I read h=10 m=48 s=1
